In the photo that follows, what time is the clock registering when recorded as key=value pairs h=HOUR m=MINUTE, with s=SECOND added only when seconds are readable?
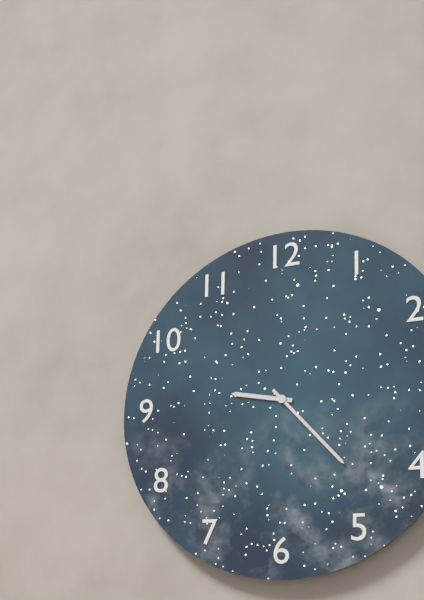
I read h=9 m=23
